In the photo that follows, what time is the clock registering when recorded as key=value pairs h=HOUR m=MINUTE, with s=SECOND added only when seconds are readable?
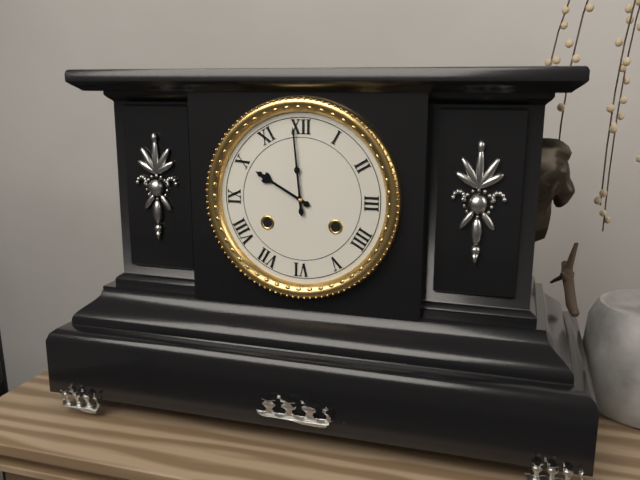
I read h=9 m=59
